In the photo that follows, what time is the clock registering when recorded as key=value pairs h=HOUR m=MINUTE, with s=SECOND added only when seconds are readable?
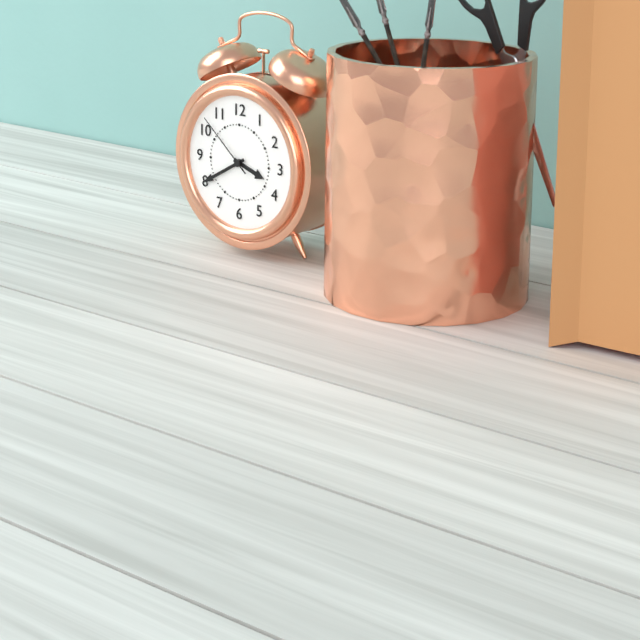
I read h=3 m=40 s=52
